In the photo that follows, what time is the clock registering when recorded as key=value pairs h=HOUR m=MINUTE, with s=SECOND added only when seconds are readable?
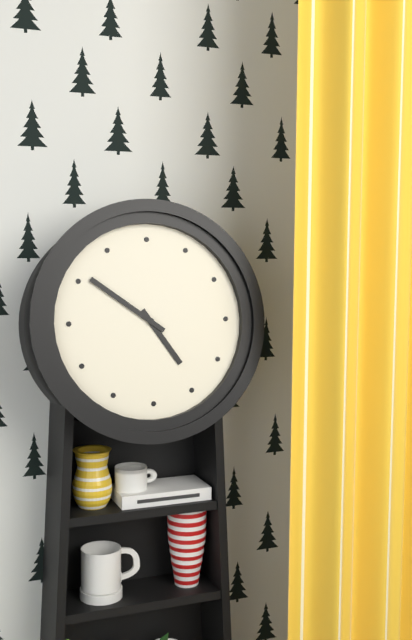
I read h=4 m=51
